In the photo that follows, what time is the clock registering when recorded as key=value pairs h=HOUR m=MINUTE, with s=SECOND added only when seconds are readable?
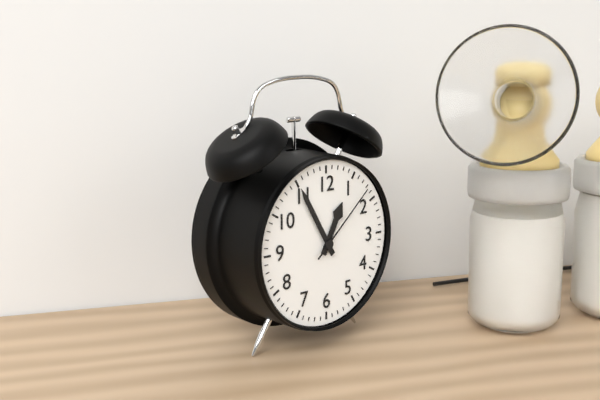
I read h=12 m=55 s=8
